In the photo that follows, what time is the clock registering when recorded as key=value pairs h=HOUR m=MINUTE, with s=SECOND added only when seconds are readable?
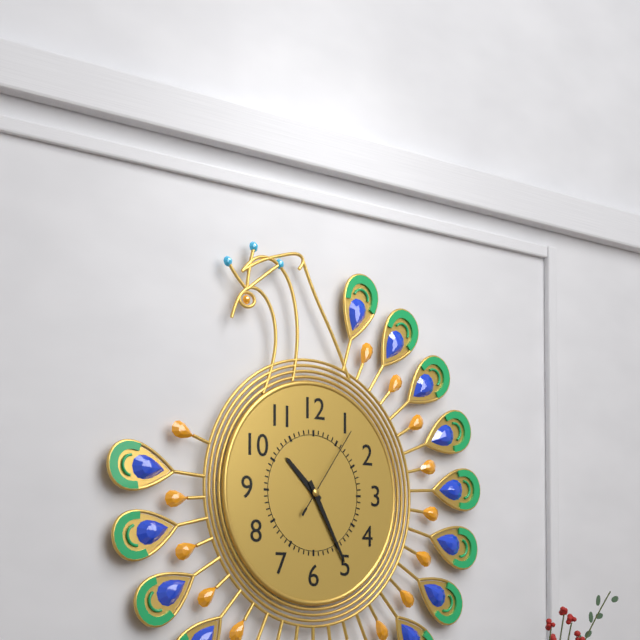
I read h=10 m=25 s=6
